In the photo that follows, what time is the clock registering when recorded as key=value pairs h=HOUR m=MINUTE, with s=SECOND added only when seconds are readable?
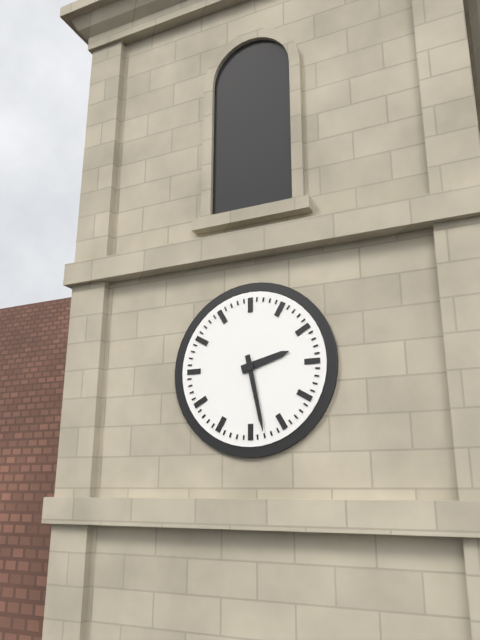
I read h=2 m=28
